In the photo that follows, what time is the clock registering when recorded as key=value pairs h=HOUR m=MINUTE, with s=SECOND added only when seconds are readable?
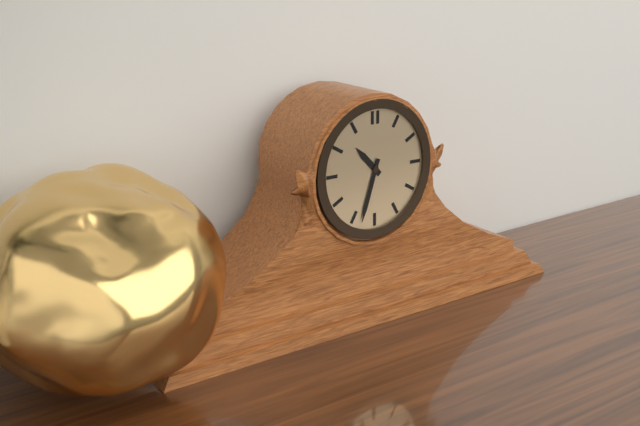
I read h=10 m=33
